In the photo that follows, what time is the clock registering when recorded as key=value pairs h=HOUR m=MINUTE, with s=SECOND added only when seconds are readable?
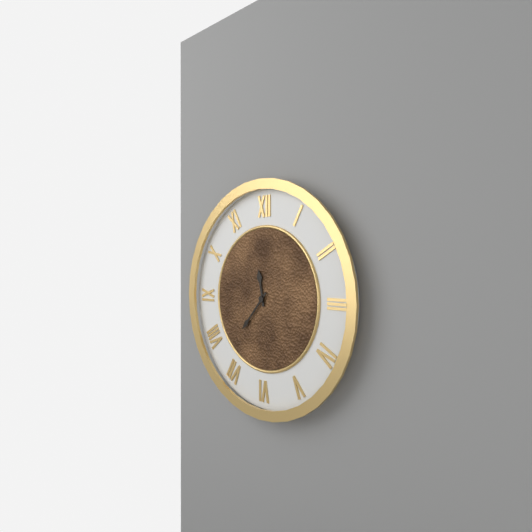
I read h=11 m=37
